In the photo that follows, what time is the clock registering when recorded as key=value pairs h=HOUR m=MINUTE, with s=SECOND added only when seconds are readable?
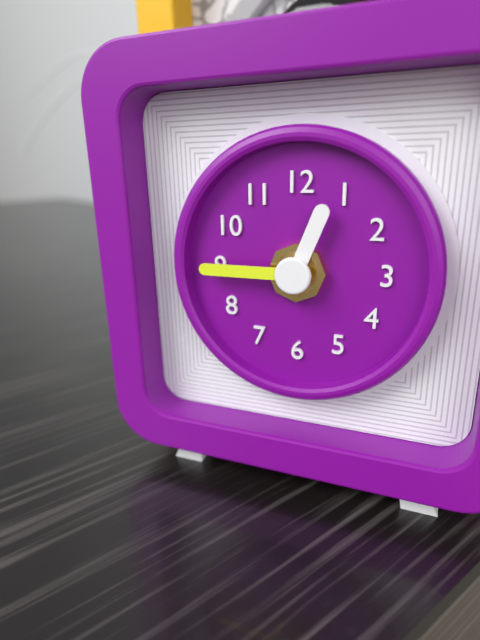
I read h=12 m=45
